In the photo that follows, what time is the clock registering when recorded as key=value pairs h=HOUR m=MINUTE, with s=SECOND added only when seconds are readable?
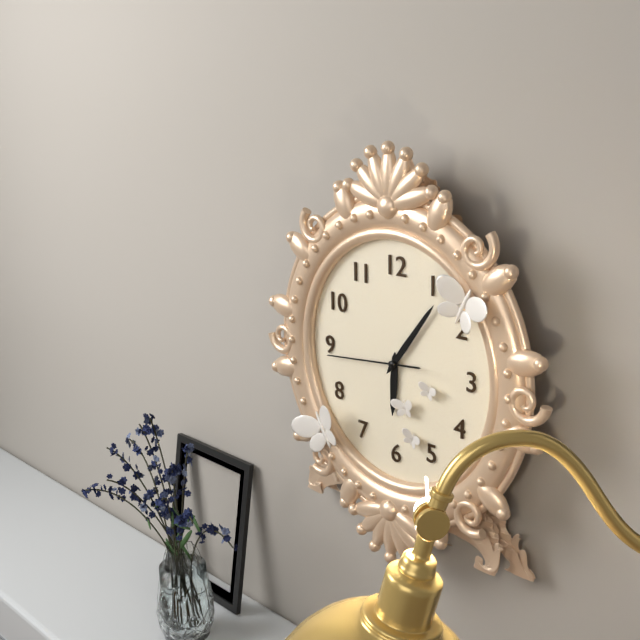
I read h=6 m=6 s=44
